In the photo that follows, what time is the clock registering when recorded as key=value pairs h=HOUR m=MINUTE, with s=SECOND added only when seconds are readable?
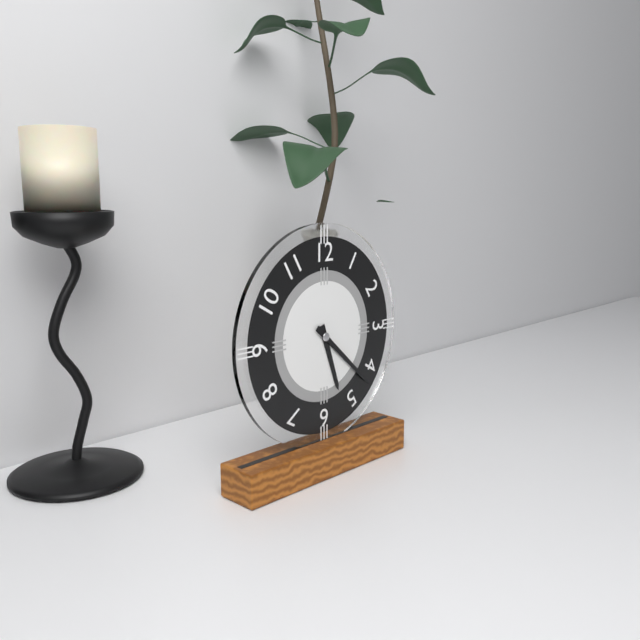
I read h=5 m=22
